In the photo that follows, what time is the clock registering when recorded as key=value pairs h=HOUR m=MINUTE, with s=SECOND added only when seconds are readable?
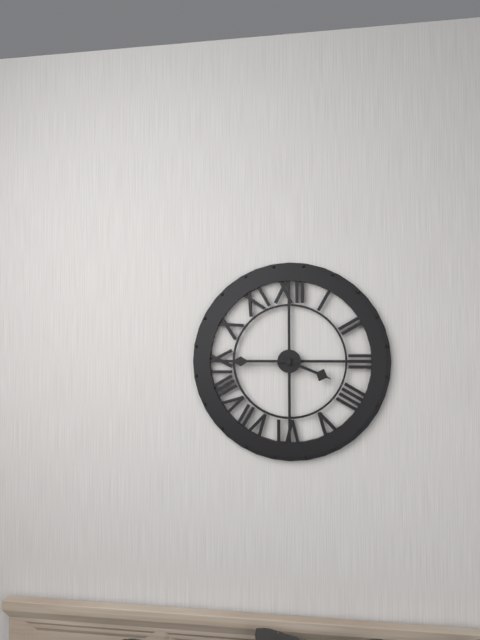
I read h=3 m=45
